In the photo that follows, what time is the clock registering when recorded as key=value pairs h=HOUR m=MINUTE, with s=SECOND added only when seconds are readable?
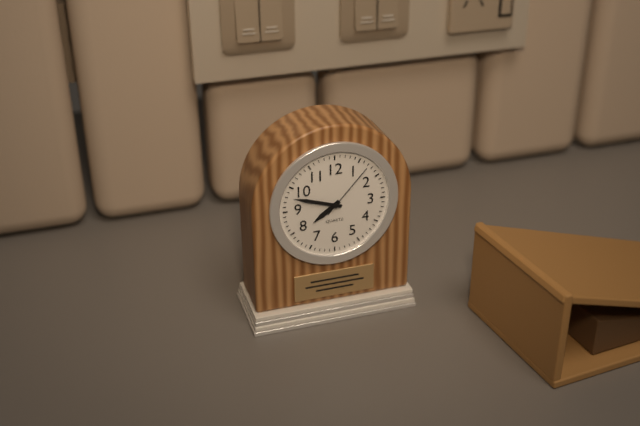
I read h=7 m=48 s=7
